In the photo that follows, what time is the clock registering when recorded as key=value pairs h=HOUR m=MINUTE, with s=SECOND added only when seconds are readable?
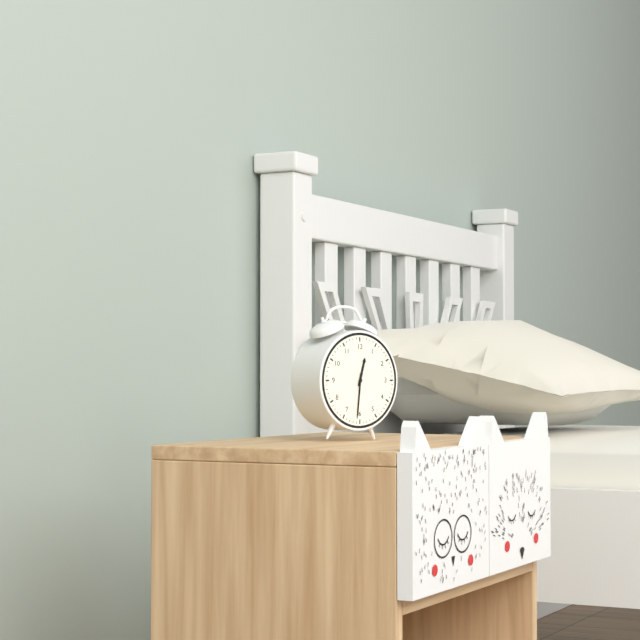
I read h=12 m=31
